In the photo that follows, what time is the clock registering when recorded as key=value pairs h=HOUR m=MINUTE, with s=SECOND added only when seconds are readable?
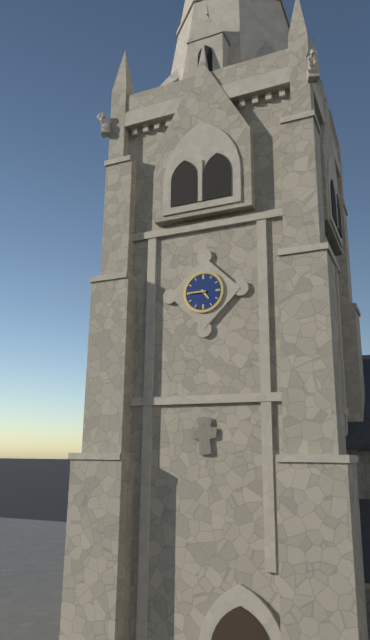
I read h=4 m=45
